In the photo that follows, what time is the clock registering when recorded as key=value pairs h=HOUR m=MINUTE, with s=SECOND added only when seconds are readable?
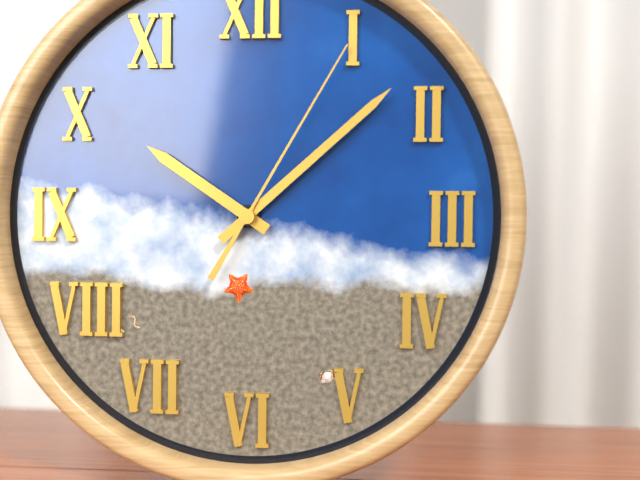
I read h=10 m=8 s=5
